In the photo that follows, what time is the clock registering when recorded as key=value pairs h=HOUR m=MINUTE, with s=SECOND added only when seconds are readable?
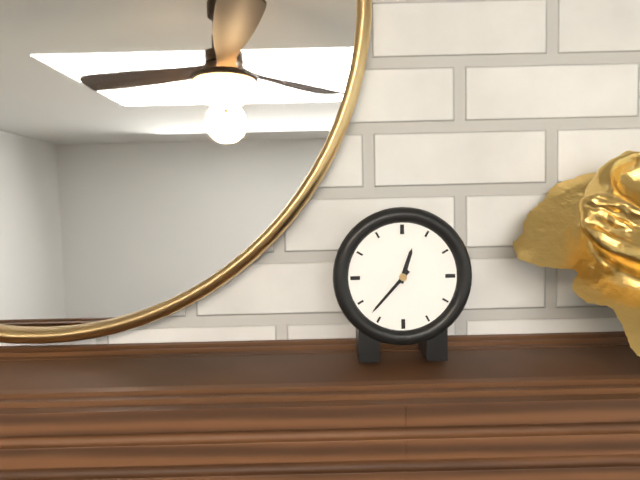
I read h=12 m=37
